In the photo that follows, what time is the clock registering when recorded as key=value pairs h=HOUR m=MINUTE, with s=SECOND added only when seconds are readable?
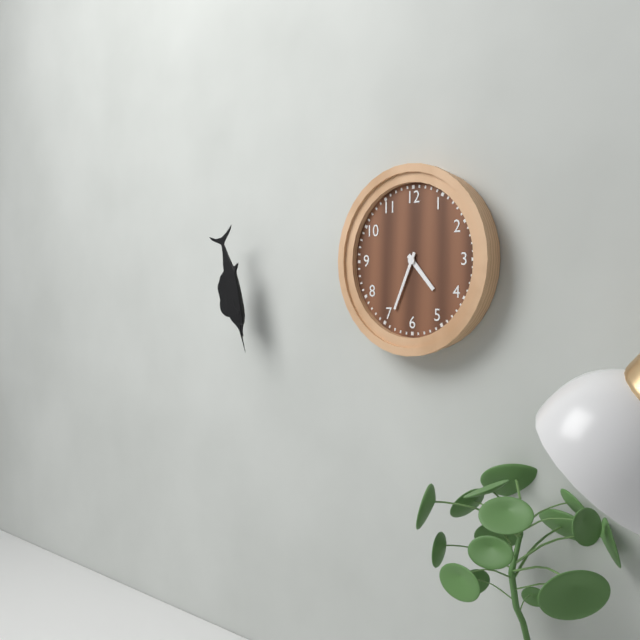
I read h=4 m=34
